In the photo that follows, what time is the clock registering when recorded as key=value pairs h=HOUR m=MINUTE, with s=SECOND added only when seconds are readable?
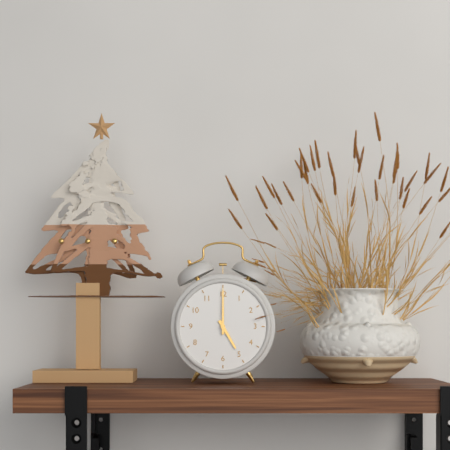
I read h=5 m=0
